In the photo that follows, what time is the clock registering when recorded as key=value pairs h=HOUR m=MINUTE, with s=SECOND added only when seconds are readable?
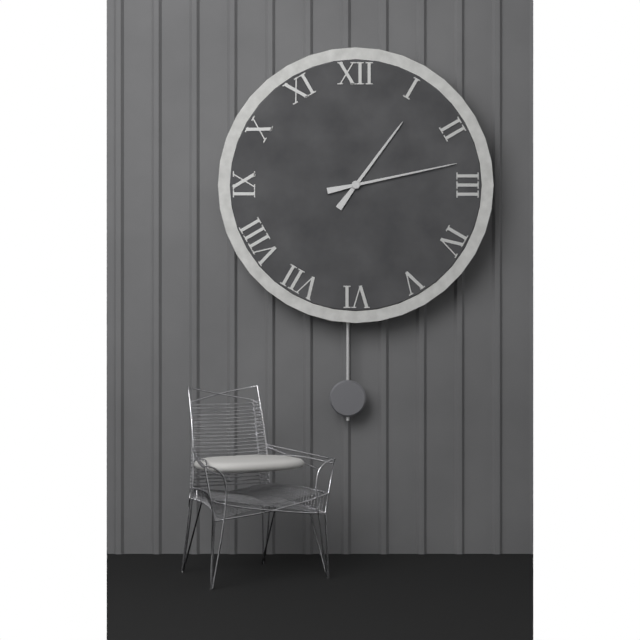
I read h=1 m=13
